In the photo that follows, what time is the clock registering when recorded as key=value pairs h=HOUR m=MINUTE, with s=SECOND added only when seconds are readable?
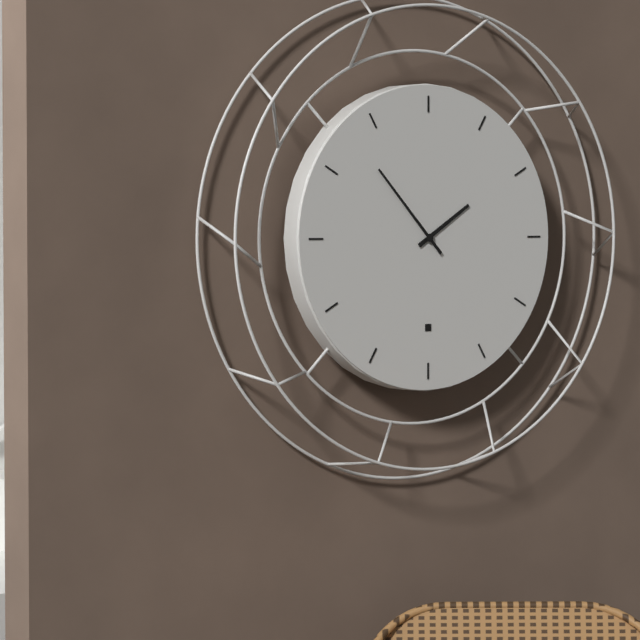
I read h=1 m=53
